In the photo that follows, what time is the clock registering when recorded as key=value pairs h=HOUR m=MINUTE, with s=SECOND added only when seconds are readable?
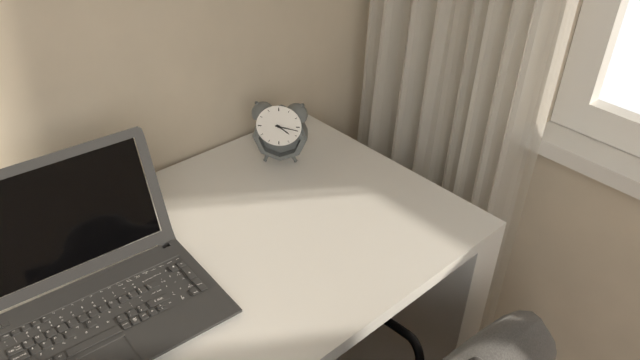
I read h=4 m=17
